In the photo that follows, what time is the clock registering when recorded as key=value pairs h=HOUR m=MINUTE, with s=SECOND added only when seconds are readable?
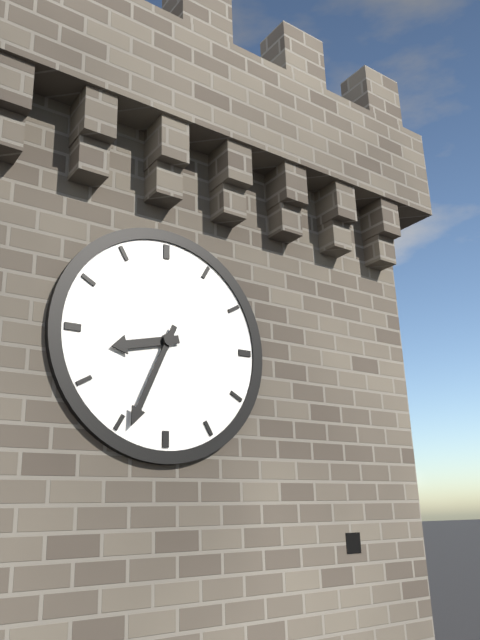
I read h=8 m=34
